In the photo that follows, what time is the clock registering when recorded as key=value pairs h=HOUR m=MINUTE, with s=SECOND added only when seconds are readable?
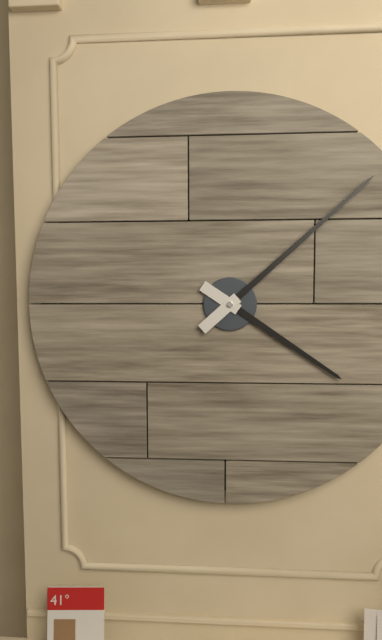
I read h=4 m=8
